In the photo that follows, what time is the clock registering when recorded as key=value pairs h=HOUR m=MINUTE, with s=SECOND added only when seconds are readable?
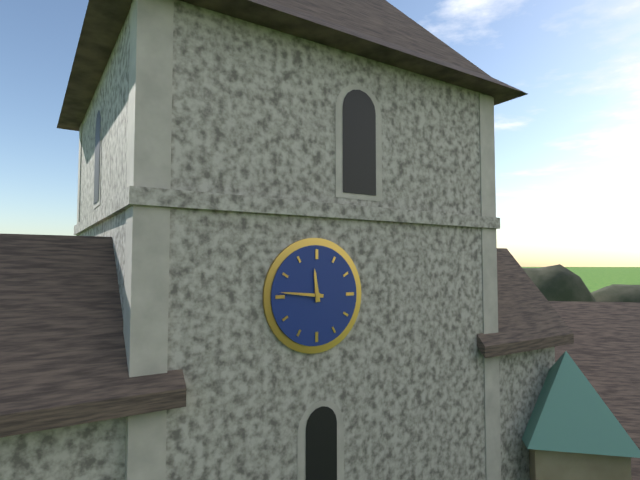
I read h=11 m=46
